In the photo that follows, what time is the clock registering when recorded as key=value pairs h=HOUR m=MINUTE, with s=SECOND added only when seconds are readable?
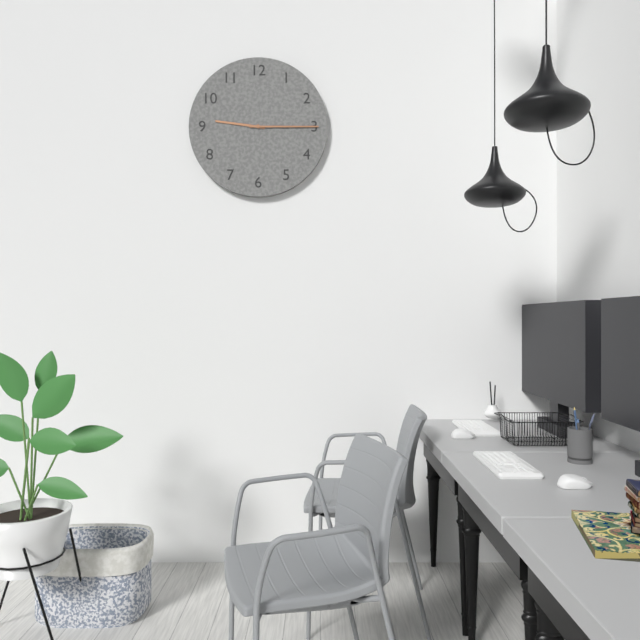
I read h=9 m=15
